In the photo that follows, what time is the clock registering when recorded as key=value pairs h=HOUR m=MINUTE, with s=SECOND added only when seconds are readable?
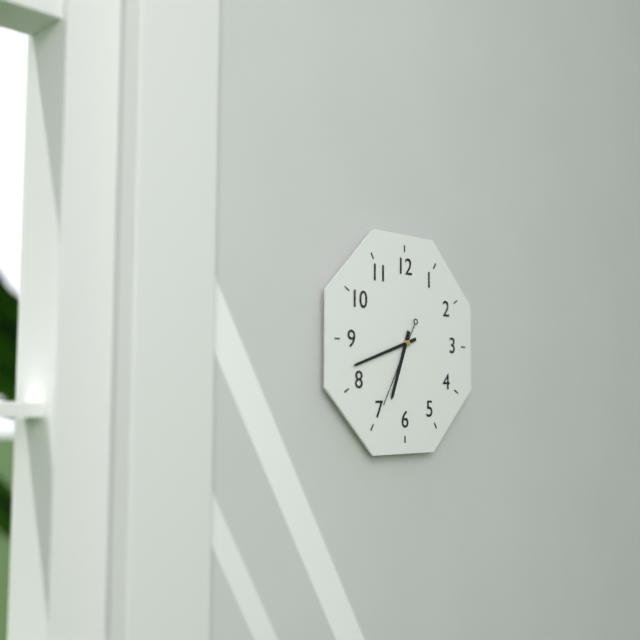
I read h=6 m=42 s=35
